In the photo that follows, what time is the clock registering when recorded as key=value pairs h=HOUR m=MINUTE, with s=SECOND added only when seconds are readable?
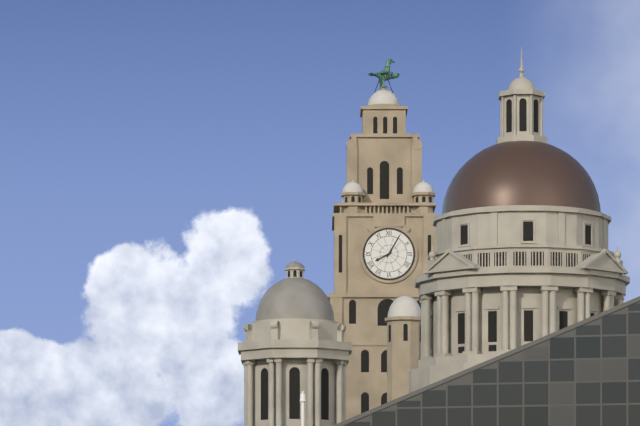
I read h=8 m=5
